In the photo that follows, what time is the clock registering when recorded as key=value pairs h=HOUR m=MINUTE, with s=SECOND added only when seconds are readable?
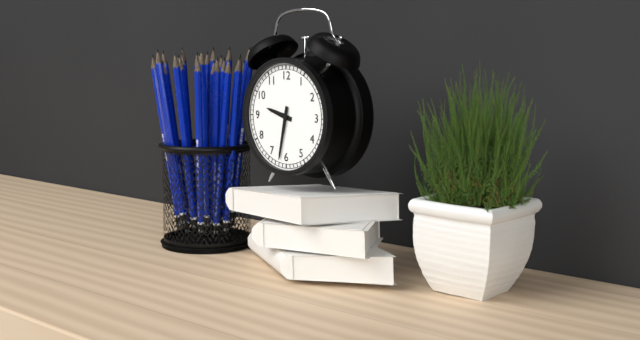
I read h=9 m=32
